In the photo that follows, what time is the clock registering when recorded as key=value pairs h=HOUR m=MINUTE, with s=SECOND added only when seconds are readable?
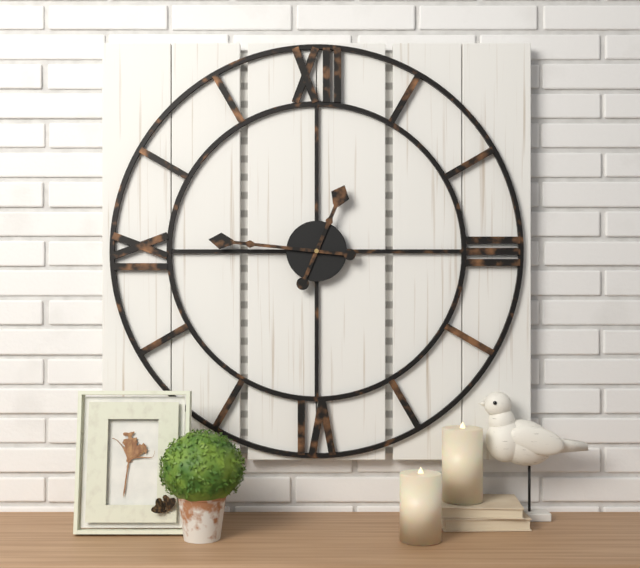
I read h=12 m=46
